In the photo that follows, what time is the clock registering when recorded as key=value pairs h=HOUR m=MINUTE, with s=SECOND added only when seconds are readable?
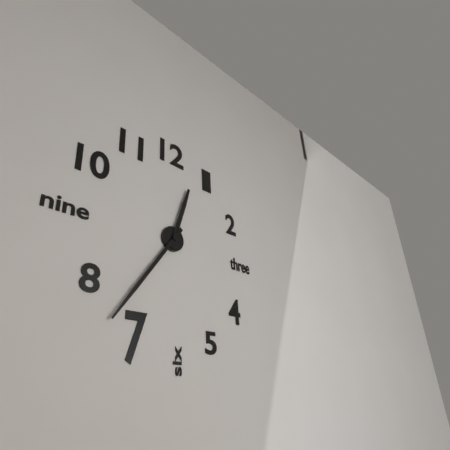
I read h=12 m=36
